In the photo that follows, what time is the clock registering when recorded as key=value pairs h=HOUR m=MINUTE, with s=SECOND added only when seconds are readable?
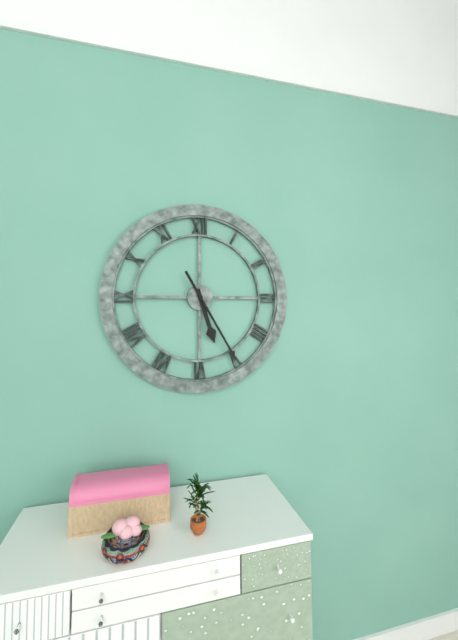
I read h=5 m=25
